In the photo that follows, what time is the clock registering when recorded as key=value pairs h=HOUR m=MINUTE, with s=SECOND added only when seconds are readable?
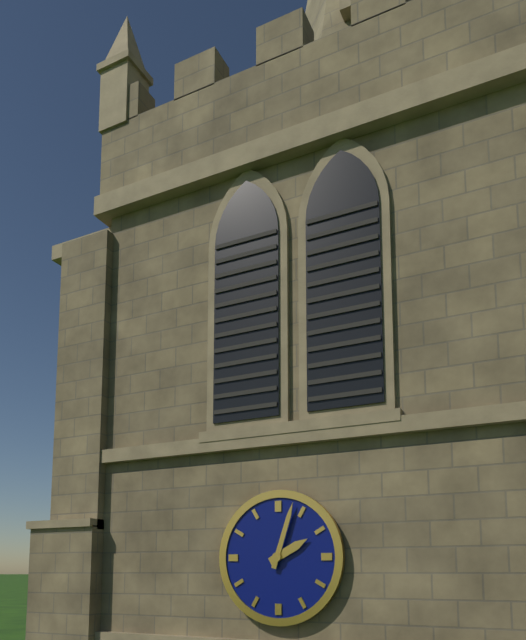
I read h=2 m=3
